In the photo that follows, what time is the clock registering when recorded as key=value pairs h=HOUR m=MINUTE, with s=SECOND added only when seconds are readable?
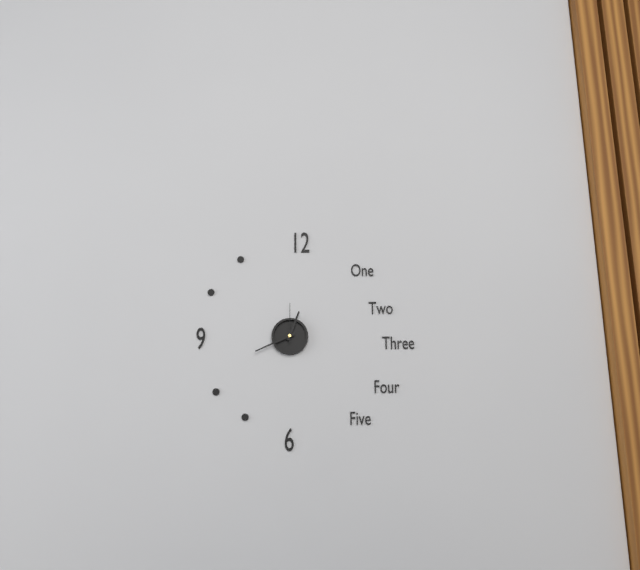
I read h=12 m=41
